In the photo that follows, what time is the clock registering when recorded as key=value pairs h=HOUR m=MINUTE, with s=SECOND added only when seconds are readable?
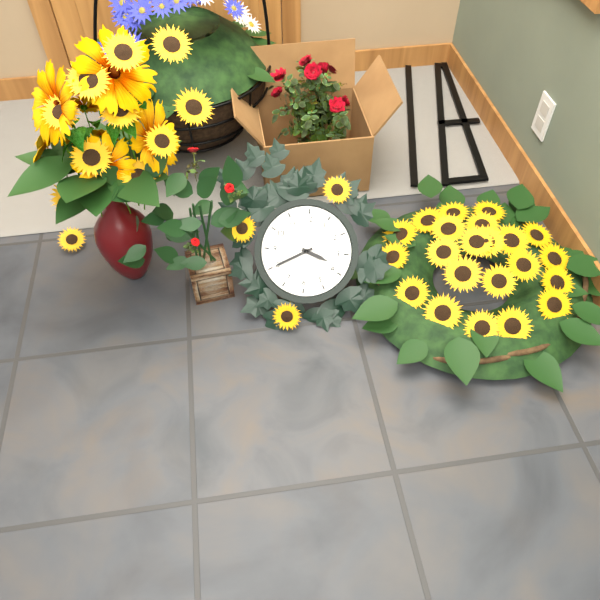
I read h=3 m=40
